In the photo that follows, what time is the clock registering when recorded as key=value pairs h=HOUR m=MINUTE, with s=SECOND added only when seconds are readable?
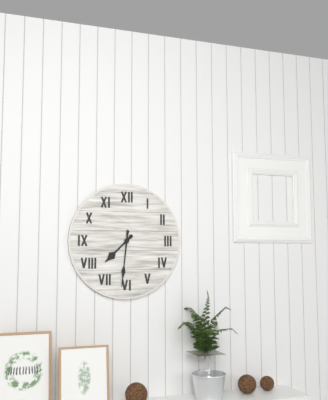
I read h=7 m=31
